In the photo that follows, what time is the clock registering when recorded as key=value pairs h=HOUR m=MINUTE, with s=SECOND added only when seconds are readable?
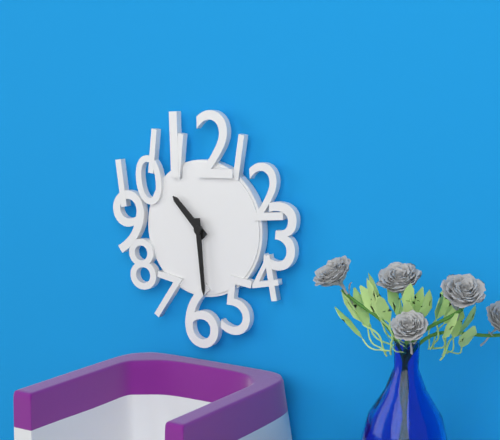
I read h=10 m=29
